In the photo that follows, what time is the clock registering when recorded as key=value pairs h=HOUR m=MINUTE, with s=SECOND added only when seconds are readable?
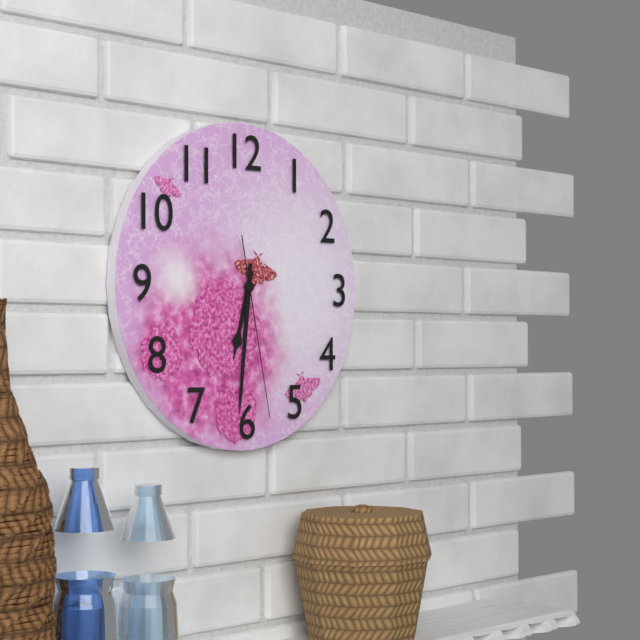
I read h=6 m=31 s=28
